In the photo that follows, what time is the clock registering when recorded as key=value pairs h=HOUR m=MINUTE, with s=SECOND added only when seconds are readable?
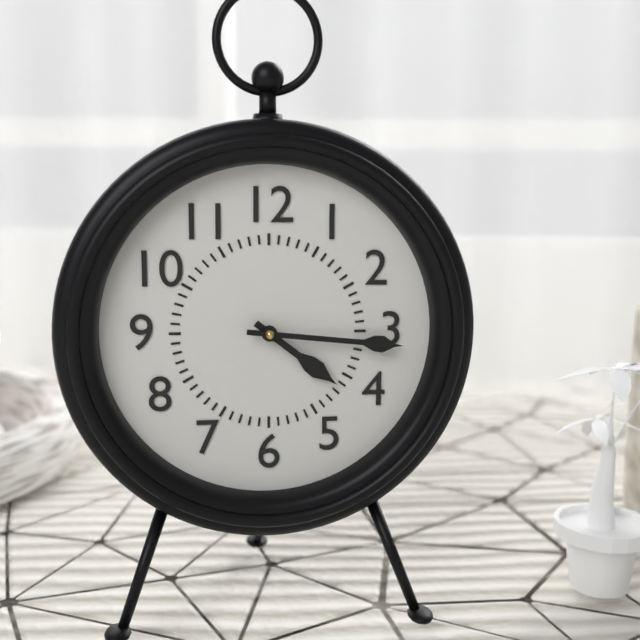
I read h=4 m=16
